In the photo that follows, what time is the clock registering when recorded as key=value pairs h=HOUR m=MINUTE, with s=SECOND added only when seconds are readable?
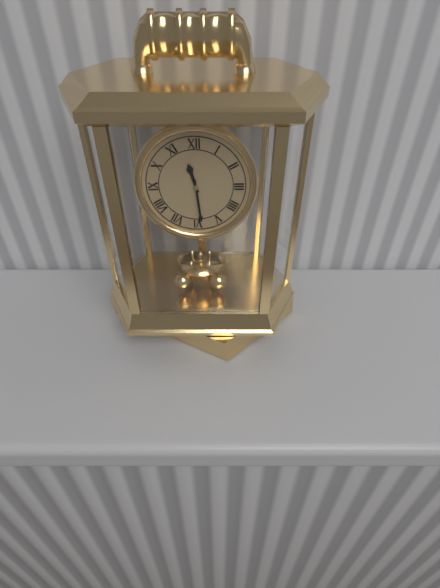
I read h=11 m=29
